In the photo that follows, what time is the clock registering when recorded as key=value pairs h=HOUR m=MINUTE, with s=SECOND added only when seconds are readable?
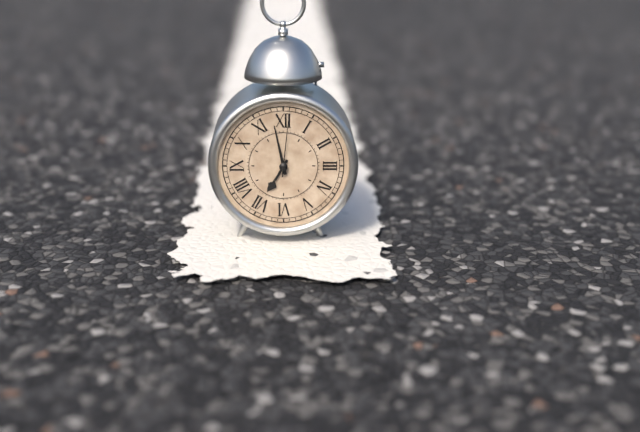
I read h=6 m=58 s=1
